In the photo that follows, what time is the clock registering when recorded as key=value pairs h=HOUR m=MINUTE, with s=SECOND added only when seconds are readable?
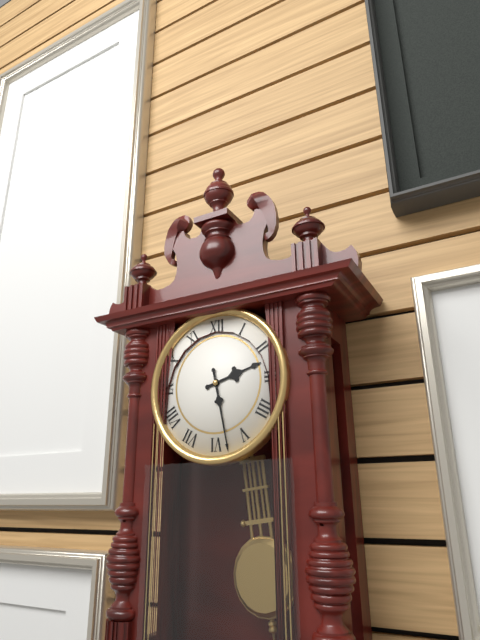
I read h=2 m=28
